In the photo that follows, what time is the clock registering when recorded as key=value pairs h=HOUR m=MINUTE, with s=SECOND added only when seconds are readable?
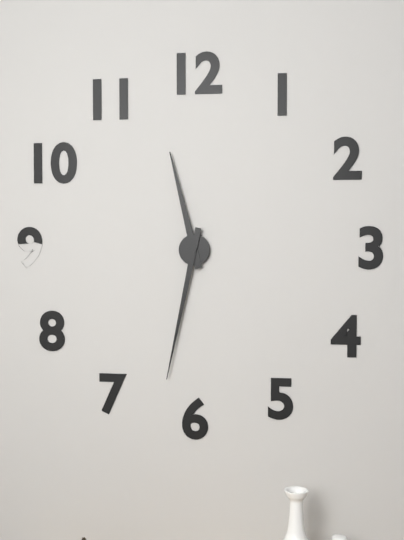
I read h=11 m=32
